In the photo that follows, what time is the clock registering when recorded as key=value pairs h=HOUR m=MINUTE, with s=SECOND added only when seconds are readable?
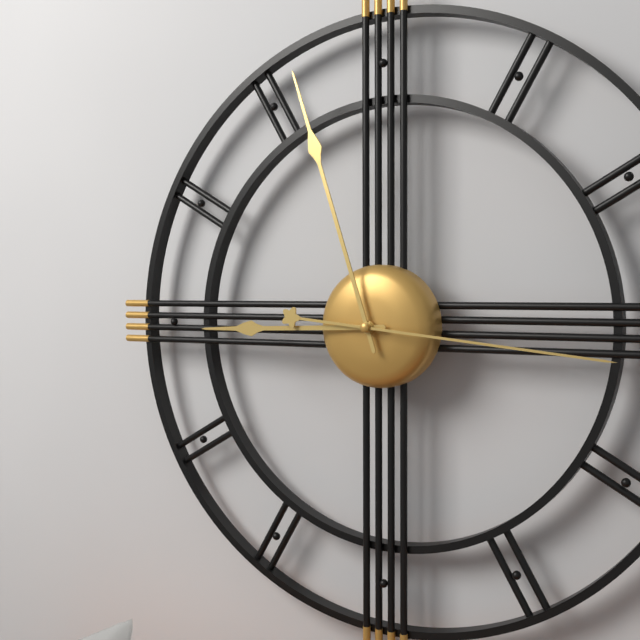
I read h=8 m=57 s=16
